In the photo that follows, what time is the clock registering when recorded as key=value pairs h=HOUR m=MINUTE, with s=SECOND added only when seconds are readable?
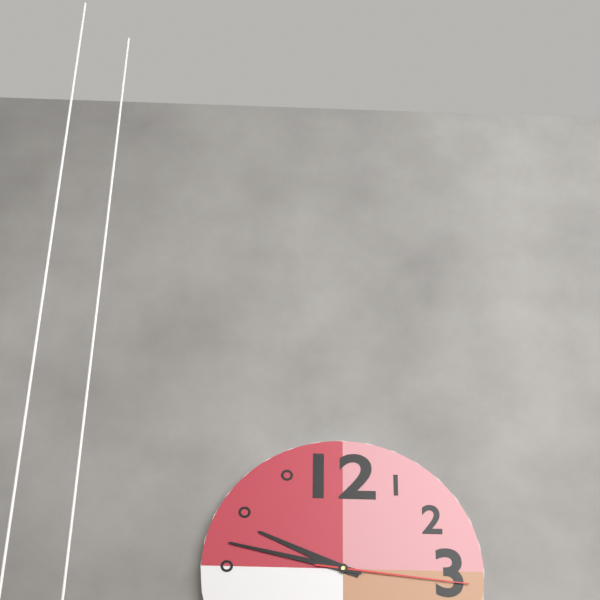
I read h=9 m=47 s=16
